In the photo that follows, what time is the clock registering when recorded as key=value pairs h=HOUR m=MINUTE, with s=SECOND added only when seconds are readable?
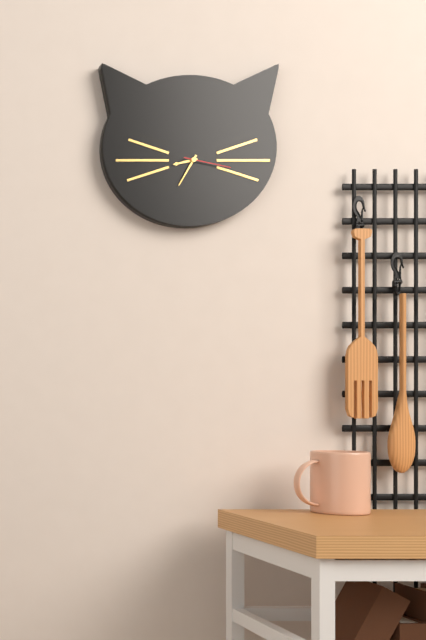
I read h=8 m=35 s=17
